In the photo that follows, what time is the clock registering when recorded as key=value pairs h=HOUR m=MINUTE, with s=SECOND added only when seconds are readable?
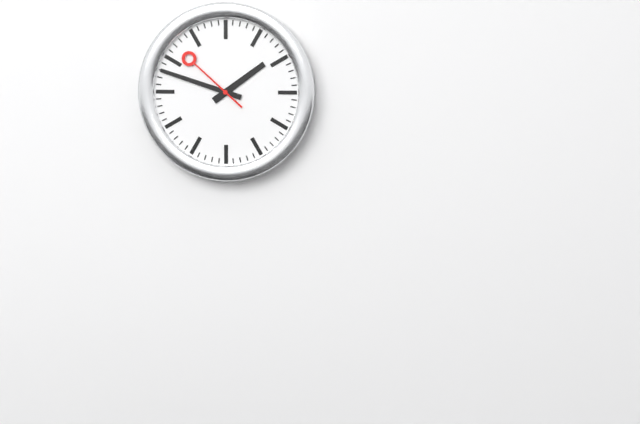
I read h=1 m=48 s=52
